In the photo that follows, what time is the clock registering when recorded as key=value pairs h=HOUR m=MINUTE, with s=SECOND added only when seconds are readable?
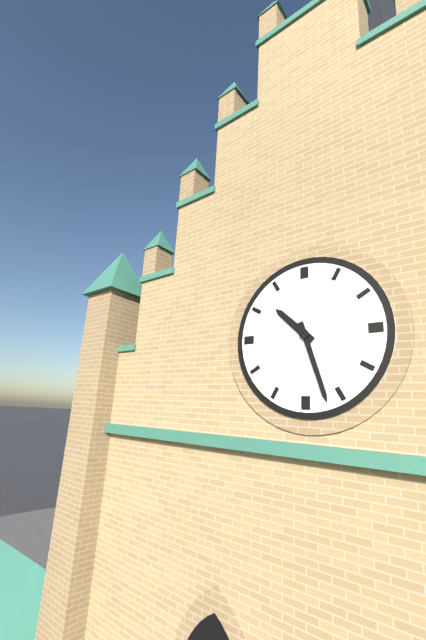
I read h=10 m=27
